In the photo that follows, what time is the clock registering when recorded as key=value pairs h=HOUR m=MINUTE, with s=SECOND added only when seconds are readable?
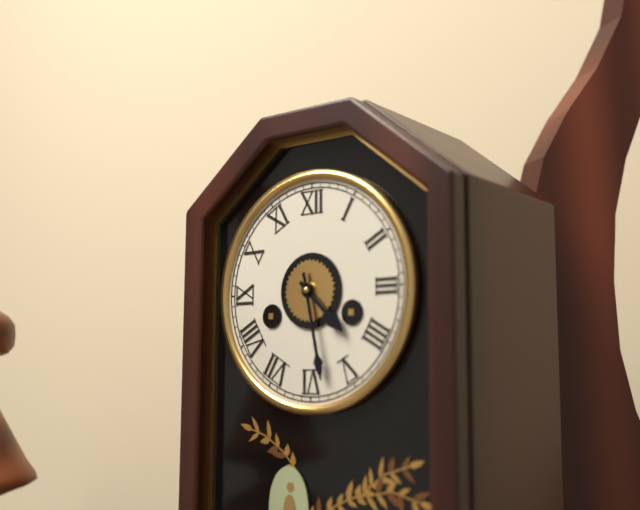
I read h=4 m=28
